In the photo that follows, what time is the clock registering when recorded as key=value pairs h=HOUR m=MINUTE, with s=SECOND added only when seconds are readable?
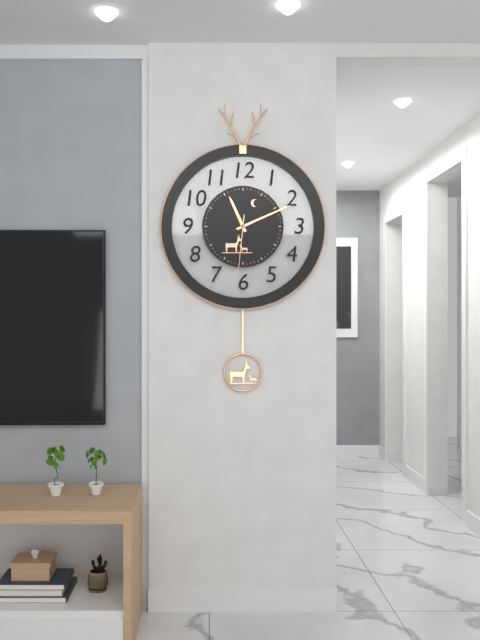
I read h=11 m=11 s=31
